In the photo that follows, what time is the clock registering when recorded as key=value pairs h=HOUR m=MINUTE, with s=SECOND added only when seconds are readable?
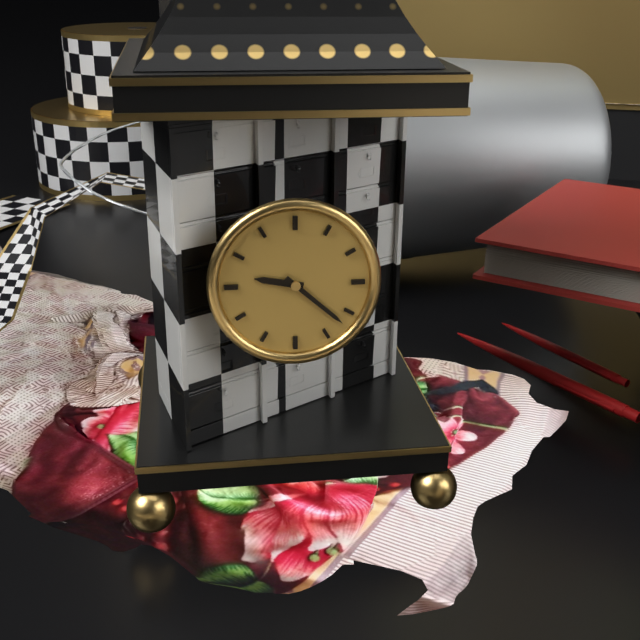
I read h=9 m=22
